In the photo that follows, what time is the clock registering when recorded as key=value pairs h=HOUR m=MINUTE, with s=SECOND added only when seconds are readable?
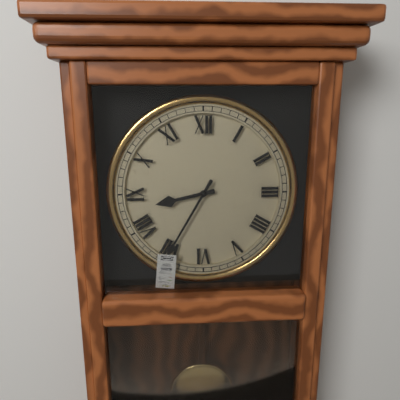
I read h=8 m=35
